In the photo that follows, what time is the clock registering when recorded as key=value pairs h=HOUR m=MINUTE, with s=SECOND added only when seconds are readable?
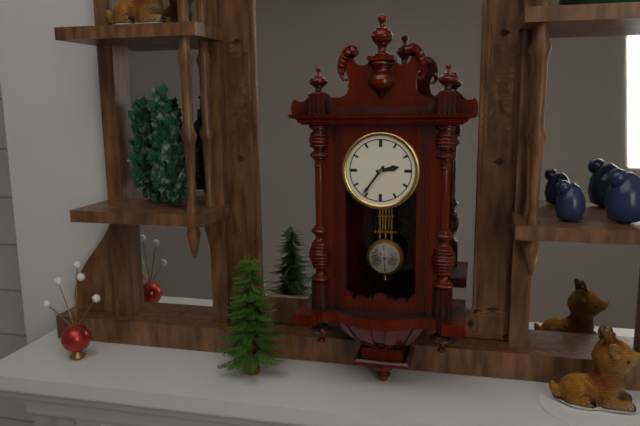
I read h=2 m=36
